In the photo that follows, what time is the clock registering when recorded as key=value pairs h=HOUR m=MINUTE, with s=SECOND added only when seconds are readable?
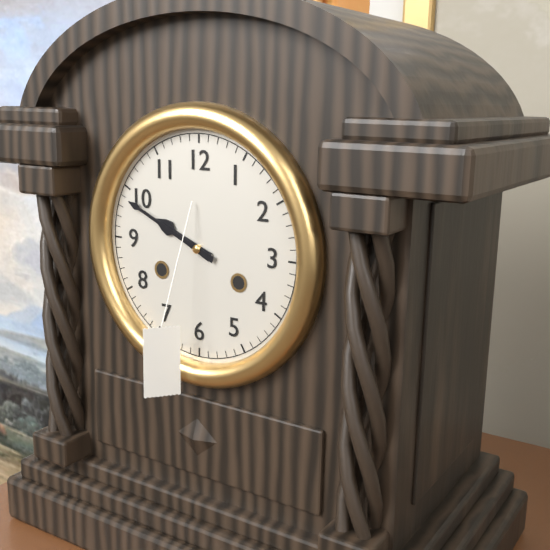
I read h=9 m=49
